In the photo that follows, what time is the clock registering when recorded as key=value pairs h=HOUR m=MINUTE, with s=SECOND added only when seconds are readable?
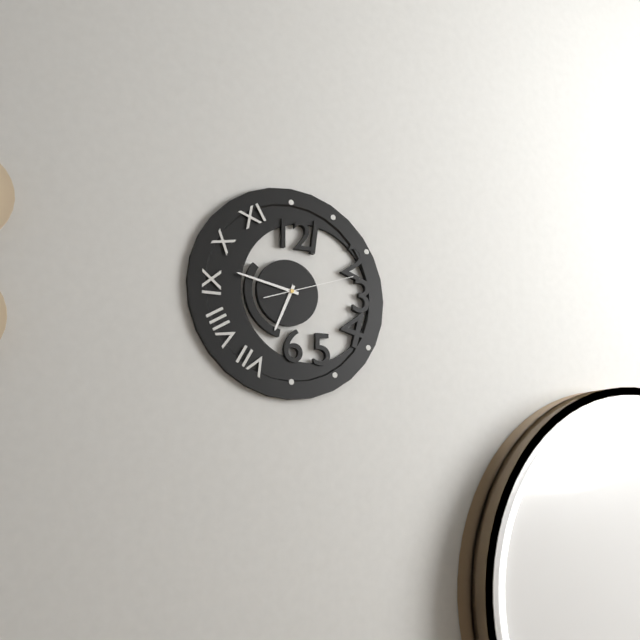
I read h=6 m=47 s=12
